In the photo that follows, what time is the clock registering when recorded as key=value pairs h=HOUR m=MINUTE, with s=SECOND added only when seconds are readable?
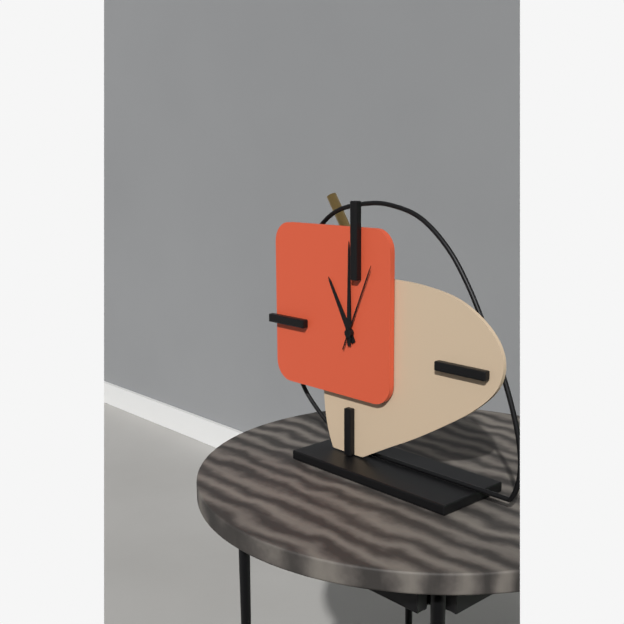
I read h=11 m=0 s=4
